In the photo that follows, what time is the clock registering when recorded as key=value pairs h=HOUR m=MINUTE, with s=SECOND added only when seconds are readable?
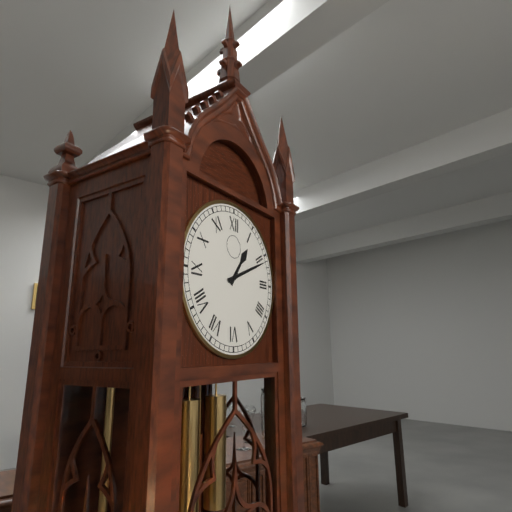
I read h=1 m=11
